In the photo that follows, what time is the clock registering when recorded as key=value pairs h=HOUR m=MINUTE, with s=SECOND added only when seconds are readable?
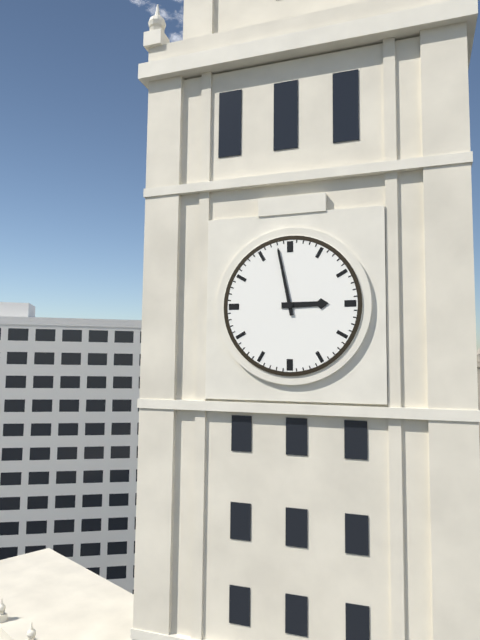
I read h=2 m=58
